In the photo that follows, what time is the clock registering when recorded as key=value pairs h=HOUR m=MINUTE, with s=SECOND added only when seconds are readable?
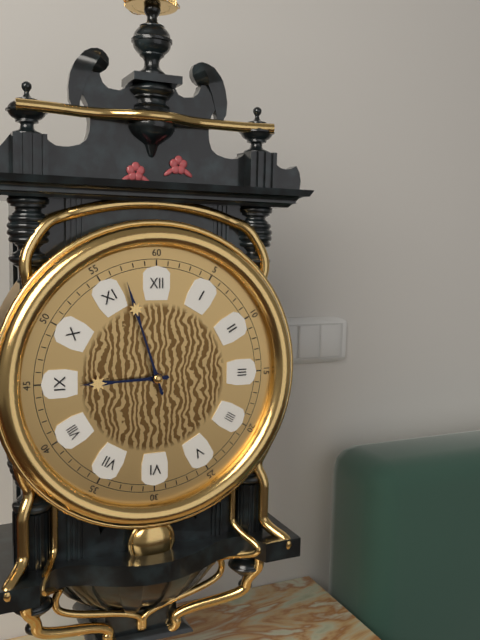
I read h=8 m=57
